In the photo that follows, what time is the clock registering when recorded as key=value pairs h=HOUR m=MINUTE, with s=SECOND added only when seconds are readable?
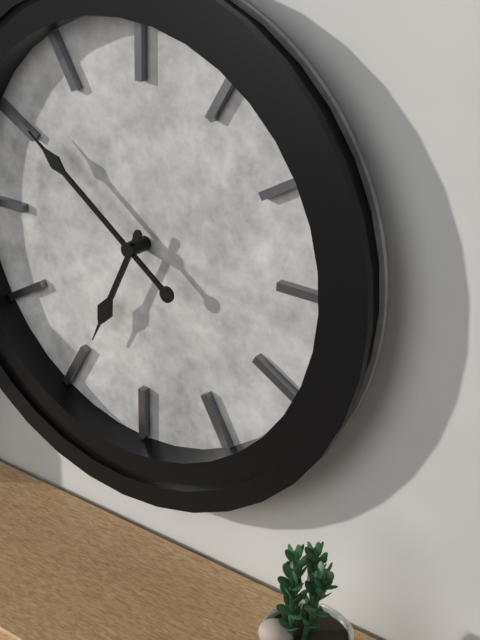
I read h=6 m=51
